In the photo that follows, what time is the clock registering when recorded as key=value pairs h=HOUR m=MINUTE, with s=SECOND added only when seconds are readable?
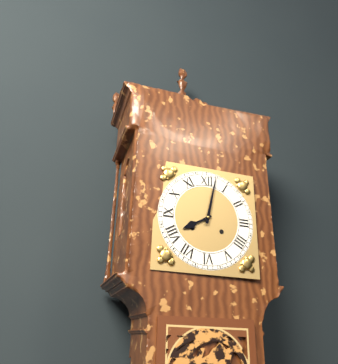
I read h=8 m=2
